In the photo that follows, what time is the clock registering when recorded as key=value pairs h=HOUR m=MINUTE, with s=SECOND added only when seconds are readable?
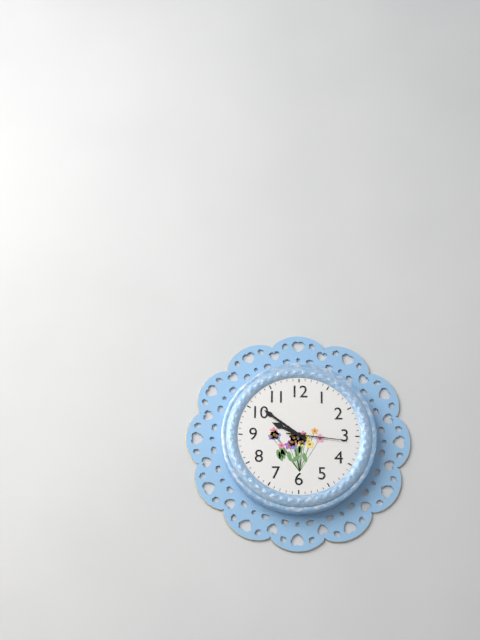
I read h=9 m=51 s=16
